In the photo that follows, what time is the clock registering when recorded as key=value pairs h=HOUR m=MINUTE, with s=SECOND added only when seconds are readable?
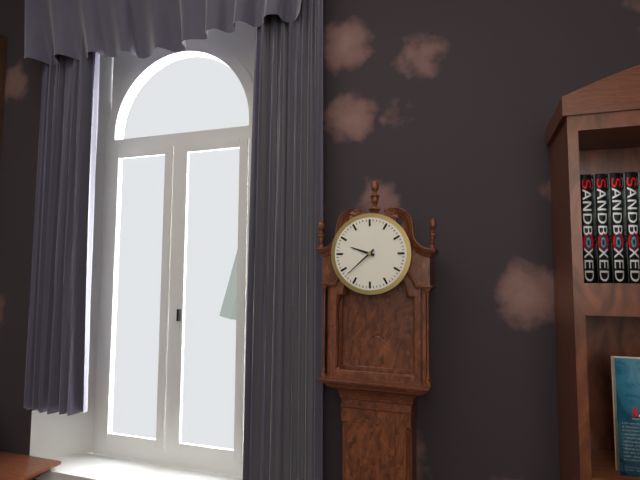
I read h=9 m=38
